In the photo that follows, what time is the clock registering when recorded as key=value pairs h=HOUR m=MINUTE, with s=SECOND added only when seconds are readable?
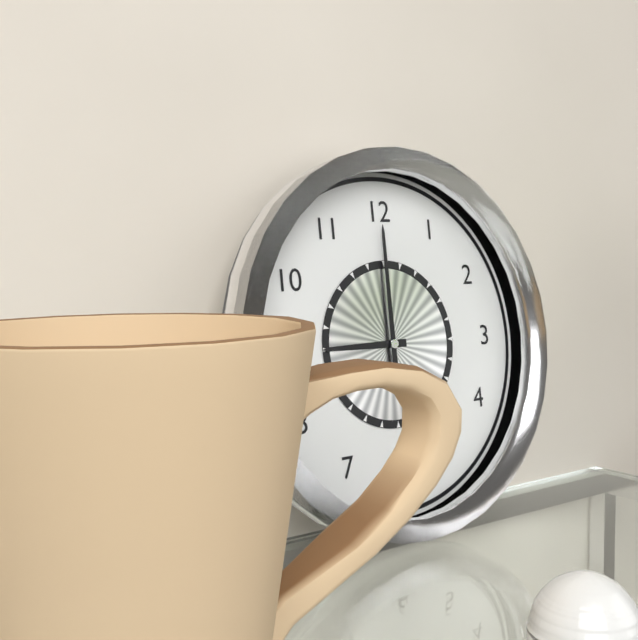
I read h=9 m=0
